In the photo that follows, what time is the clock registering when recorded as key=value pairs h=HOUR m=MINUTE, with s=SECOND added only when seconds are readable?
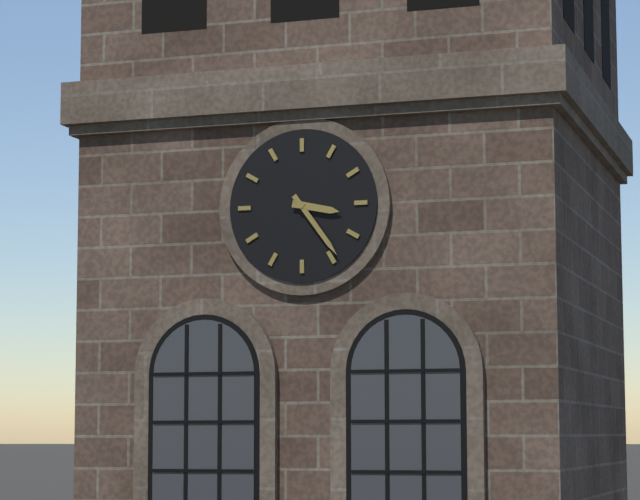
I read h=3 m=24
